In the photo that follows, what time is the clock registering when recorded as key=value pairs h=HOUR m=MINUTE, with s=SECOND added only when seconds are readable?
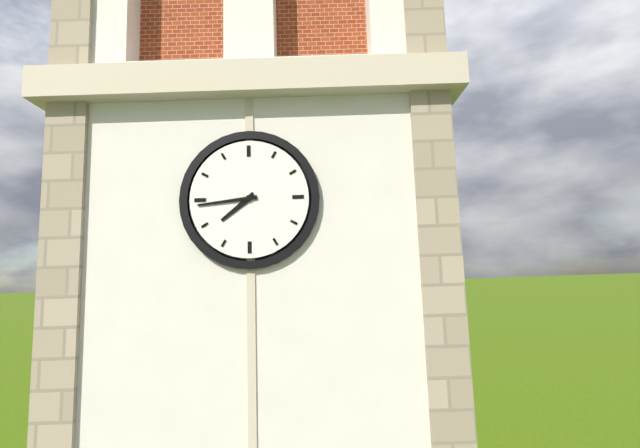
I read h=7 m=44
